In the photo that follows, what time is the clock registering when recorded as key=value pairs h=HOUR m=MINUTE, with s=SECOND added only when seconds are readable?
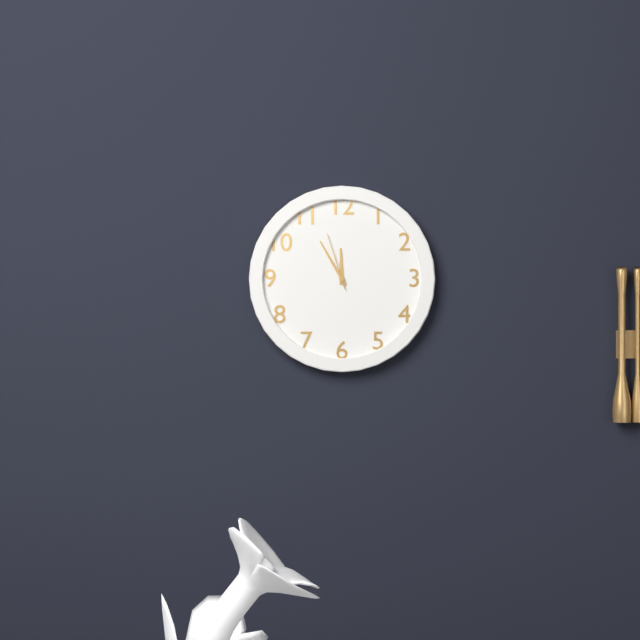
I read h=11 m=55 s=57
